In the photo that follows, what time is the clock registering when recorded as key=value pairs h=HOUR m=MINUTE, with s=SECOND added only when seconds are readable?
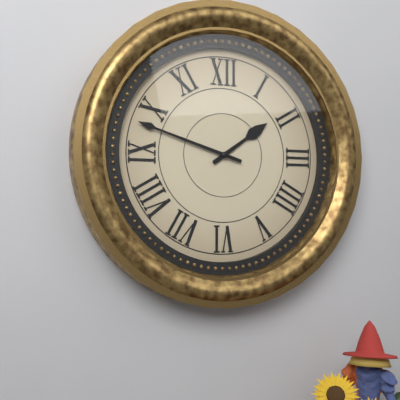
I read h=1 m=48
